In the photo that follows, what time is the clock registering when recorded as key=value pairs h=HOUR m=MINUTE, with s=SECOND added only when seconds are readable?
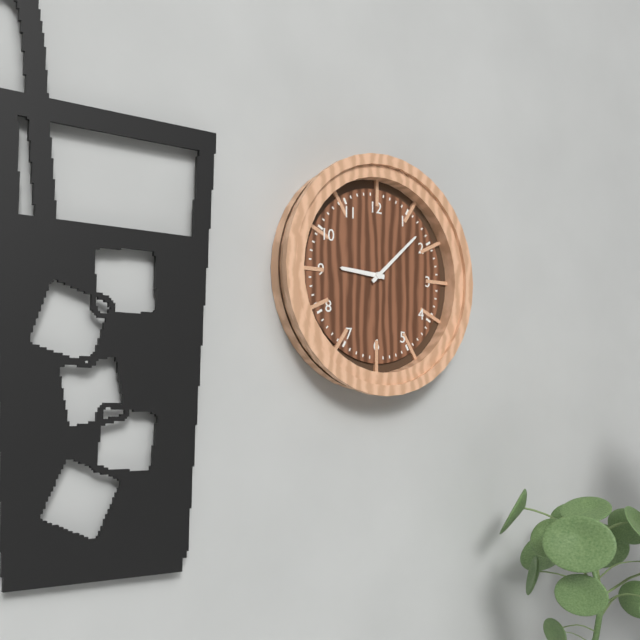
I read h=9 m=8
